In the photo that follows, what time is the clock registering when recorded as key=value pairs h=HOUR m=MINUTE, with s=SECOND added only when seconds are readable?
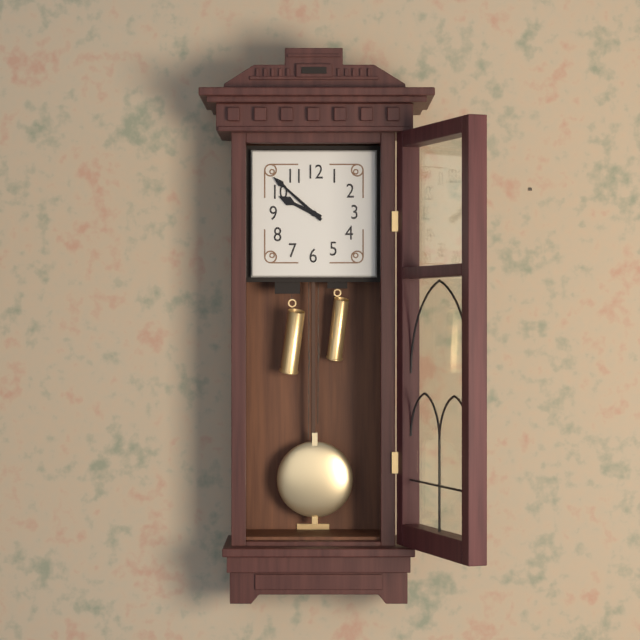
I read h=9 m=52
